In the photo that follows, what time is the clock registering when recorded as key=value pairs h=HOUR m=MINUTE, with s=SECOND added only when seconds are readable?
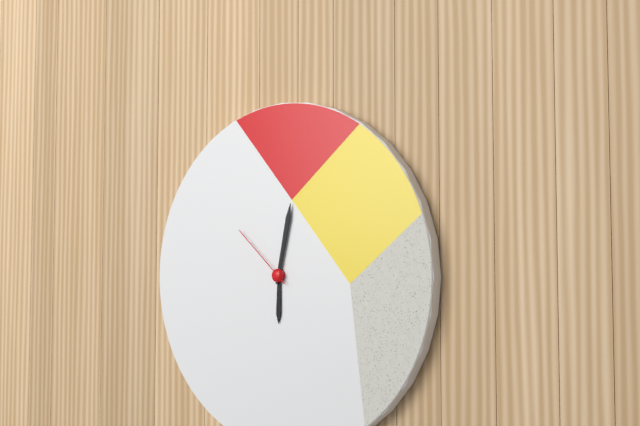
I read h=6 m=2 s=52
